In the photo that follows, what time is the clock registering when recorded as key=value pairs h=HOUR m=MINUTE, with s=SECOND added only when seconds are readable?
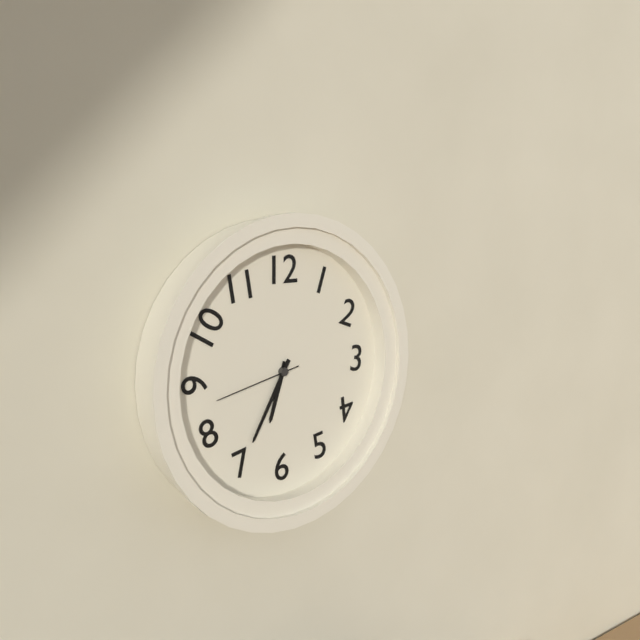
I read h=6 m=35 s=43
